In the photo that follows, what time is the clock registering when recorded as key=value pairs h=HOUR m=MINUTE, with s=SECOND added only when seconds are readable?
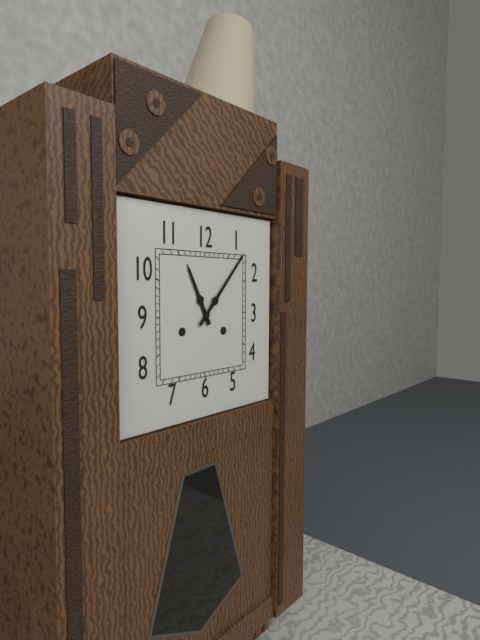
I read h=11 m=7
